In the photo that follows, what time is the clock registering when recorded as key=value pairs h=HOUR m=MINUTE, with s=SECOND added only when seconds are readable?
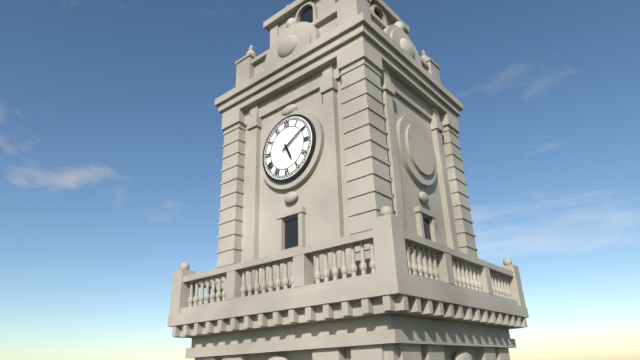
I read h=5 m=10
